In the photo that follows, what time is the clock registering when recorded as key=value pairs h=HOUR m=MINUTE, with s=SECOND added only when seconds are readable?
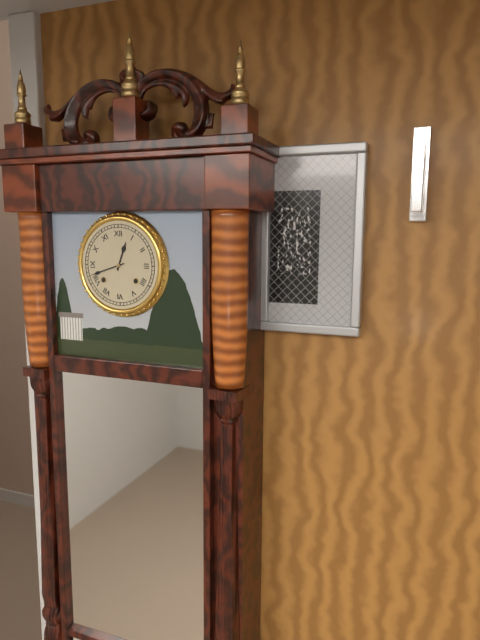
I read h=12 m=42
